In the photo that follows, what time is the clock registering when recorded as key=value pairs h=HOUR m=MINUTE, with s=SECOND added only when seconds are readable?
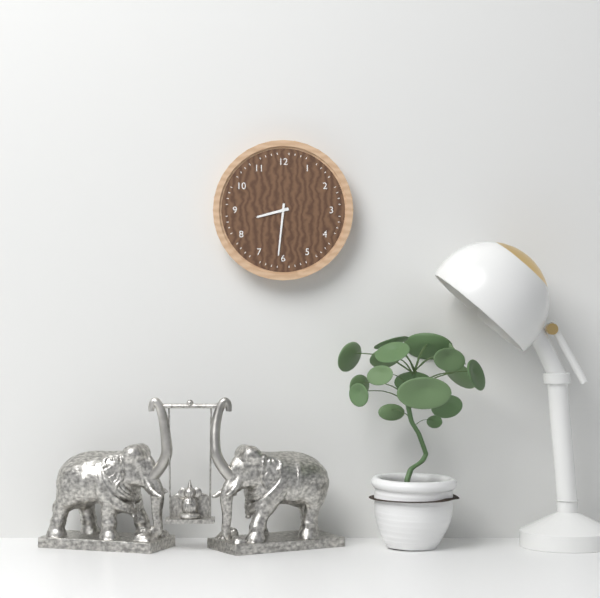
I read h=8 m=31
